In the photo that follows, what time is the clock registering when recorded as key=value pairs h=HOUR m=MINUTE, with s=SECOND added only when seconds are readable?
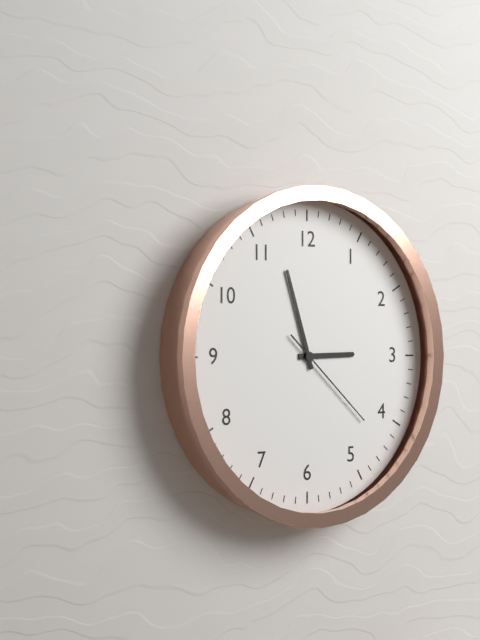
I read h=2 m=57 s=22
